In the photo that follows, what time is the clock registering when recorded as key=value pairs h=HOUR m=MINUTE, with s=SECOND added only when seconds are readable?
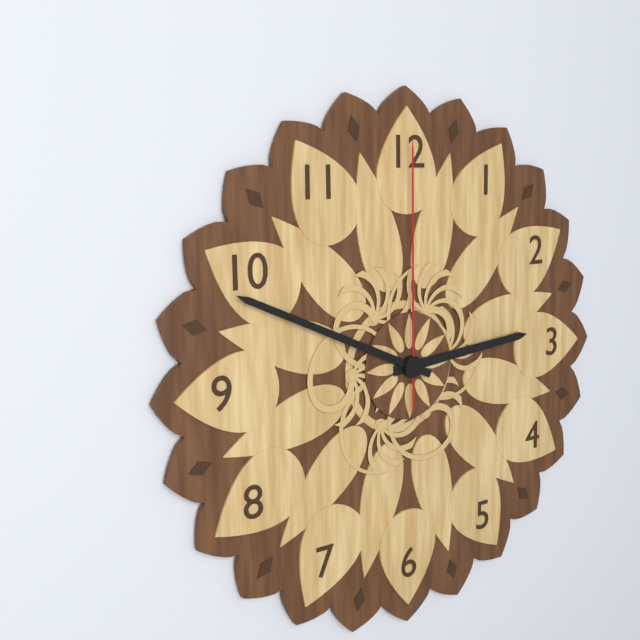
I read h=2 m=49 s=0
